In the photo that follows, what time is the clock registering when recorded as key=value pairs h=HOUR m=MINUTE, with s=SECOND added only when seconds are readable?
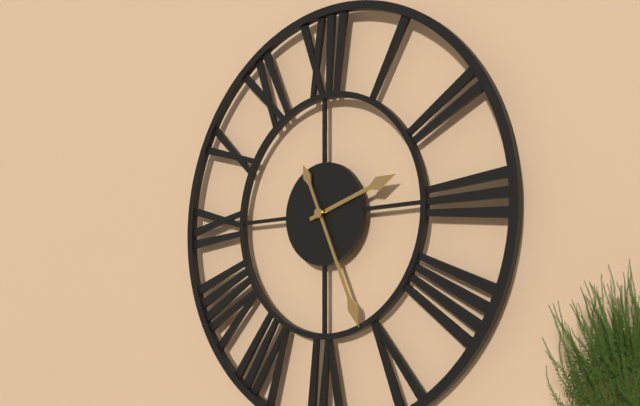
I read h=2 m=26
